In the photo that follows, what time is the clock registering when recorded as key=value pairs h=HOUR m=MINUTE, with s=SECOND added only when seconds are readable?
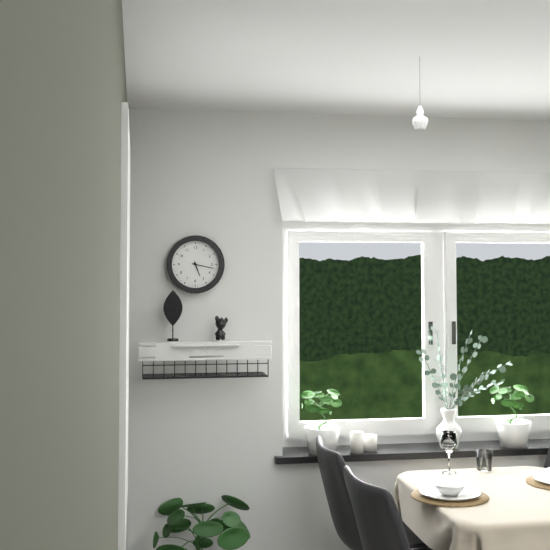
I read h=5 m=17
